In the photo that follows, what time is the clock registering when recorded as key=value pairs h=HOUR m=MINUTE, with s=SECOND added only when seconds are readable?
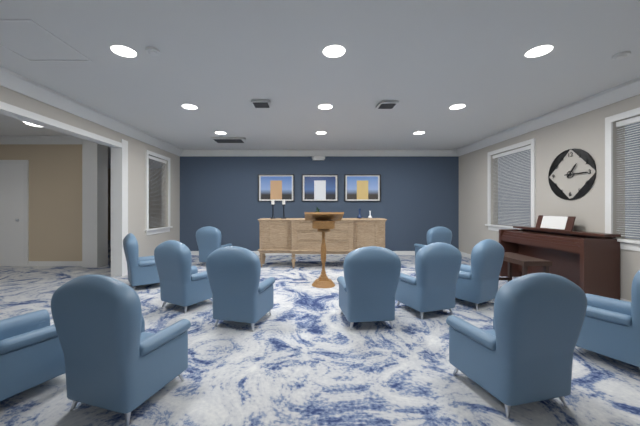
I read h=1 m=15
